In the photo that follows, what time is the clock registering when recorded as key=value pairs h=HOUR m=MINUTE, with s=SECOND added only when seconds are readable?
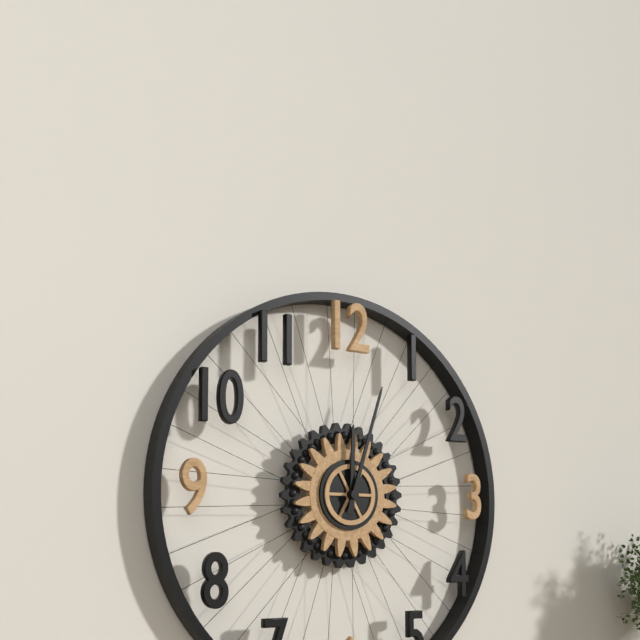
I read h=12 m=3
